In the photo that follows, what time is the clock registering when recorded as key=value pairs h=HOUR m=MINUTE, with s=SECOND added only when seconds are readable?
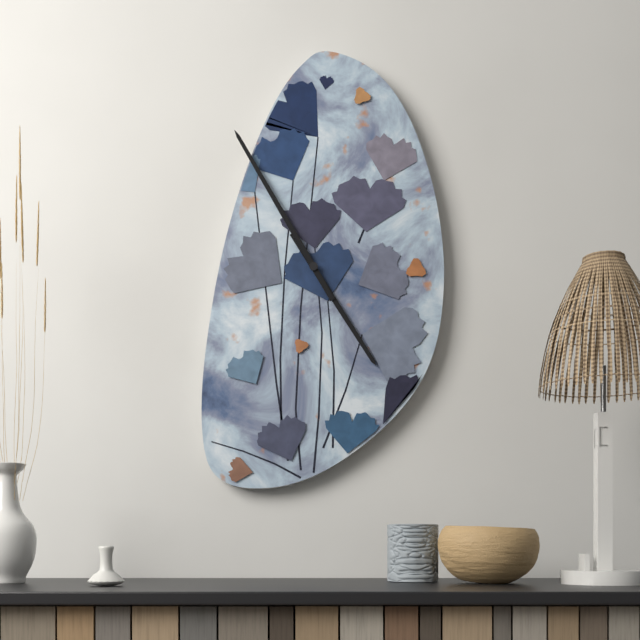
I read h=4 m=55
